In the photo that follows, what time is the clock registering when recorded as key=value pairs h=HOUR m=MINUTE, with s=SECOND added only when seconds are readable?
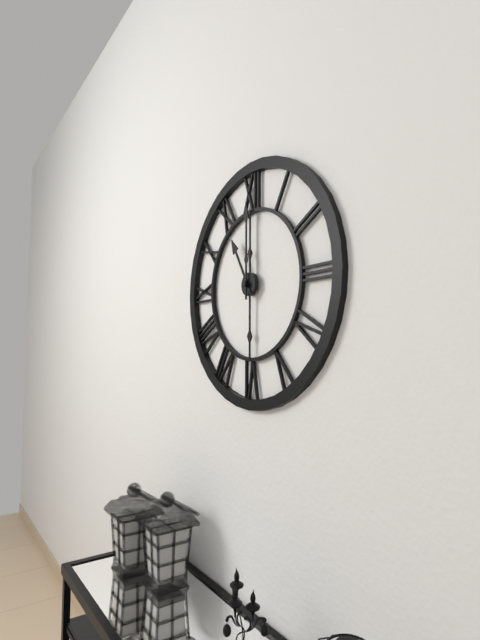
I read h=11 m=0
